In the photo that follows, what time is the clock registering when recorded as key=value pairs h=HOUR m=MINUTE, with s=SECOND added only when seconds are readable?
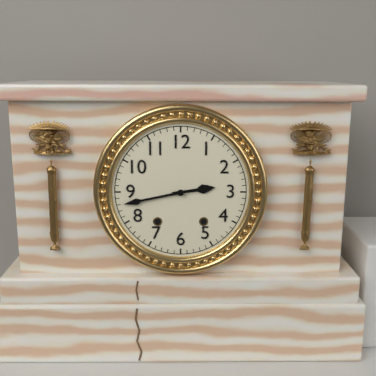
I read h=2 m=43
